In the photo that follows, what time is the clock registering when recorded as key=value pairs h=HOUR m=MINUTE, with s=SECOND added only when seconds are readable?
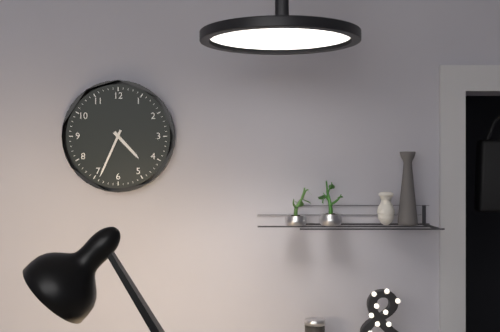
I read h=4 m=34
